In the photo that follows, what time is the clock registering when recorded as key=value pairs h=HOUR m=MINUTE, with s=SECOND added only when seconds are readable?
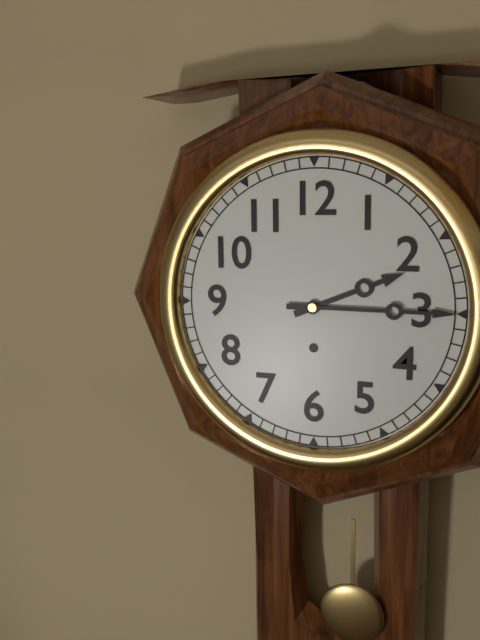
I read h=2 m=15
